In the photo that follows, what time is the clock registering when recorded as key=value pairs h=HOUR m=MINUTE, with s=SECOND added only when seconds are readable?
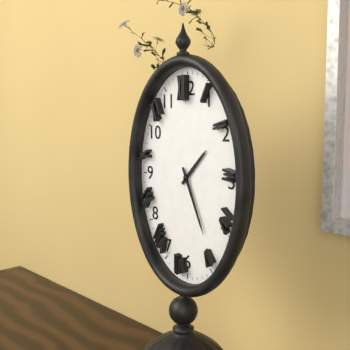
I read h=1 m=26
